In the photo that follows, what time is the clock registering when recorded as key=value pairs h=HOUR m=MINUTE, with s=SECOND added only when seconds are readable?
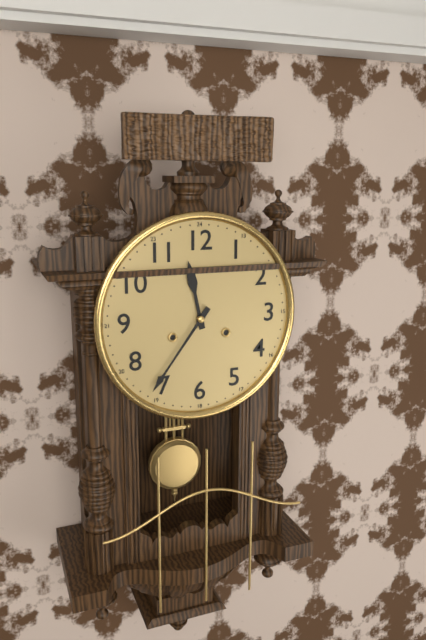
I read h=11 m=36
